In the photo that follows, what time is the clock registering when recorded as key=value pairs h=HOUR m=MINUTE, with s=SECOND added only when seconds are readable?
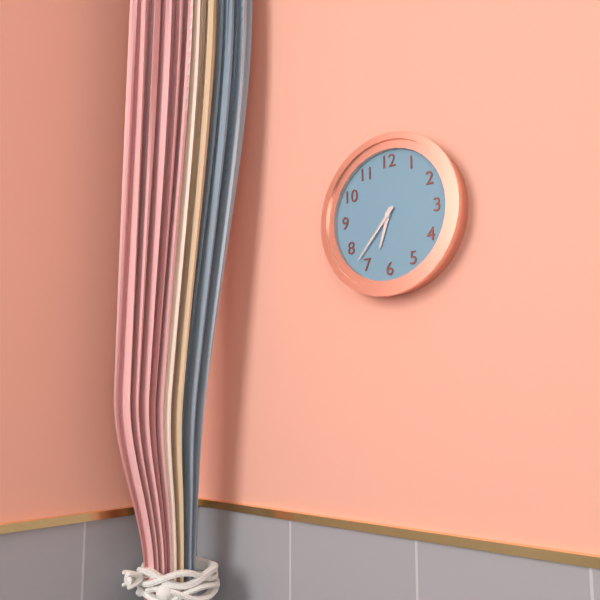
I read h=6 m=37
